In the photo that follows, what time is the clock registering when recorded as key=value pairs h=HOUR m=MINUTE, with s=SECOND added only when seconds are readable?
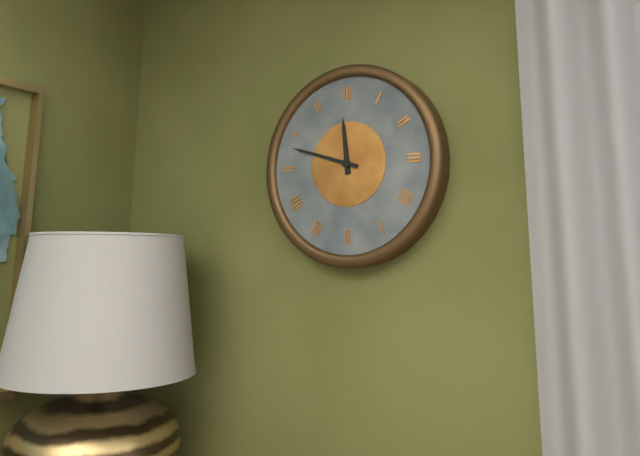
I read h=11 m=48
